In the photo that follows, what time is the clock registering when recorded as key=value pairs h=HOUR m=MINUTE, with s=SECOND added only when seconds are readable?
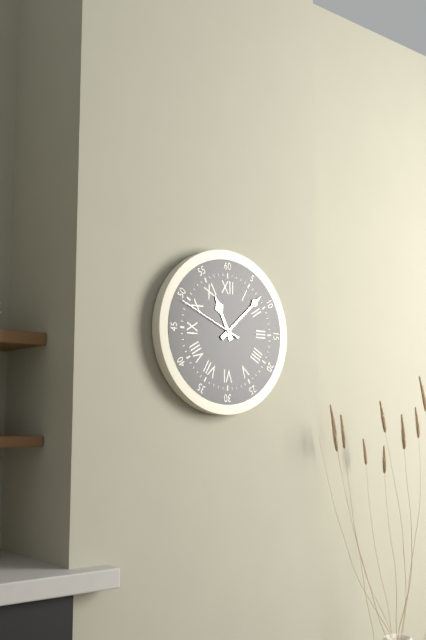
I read h=11 m=8 s=49
